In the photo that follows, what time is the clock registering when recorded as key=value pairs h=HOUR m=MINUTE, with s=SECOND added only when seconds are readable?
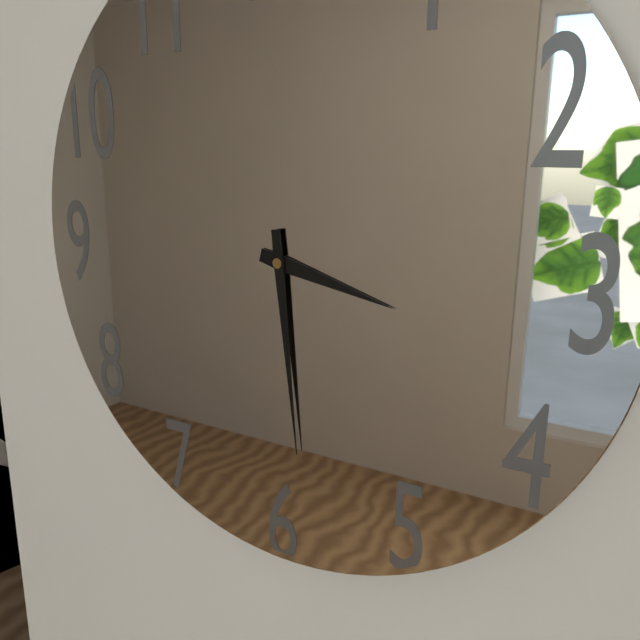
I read h=3 m=29
